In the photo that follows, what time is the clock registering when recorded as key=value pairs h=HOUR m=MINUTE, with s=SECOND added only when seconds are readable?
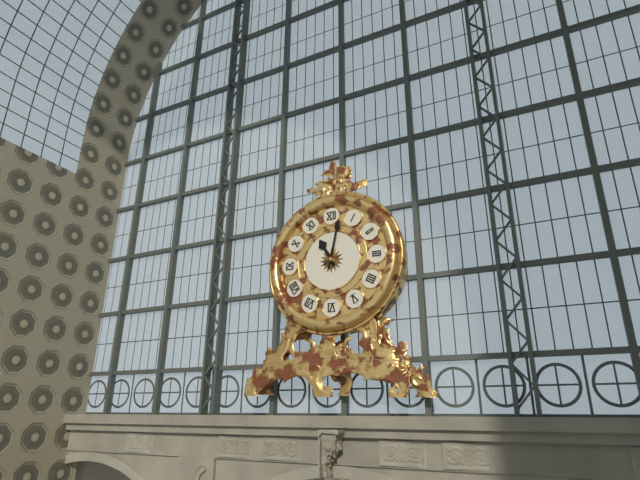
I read h=11 m=2
